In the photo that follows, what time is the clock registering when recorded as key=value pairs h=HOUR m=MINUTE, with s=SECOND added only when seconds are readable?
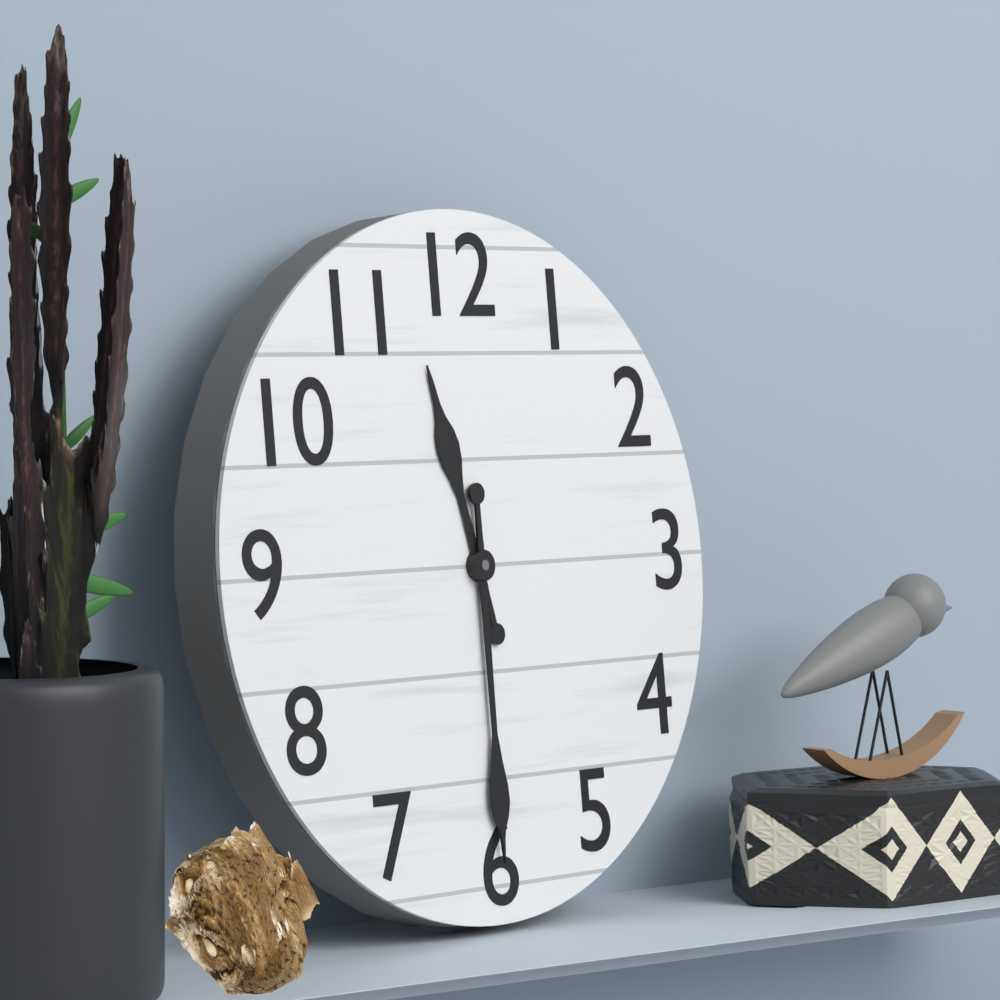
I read h=11 m=30
